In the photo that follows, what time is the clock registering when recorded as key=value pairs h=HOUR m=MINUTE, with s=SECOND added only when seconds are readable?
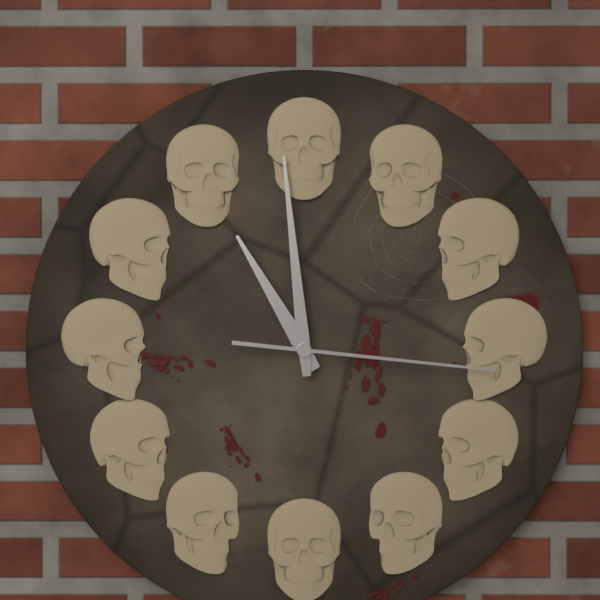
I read h=10 m=59 s=16
